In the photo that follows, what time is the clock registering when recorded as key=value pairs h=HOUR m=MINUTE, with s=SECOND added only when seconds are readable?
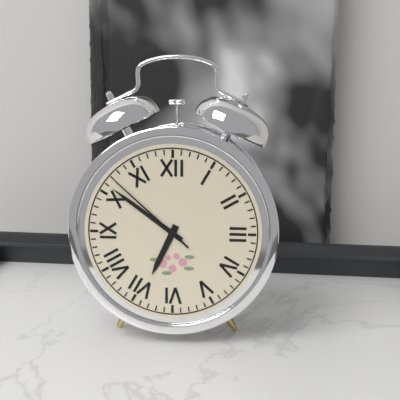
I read h=6 m=51 s=52
